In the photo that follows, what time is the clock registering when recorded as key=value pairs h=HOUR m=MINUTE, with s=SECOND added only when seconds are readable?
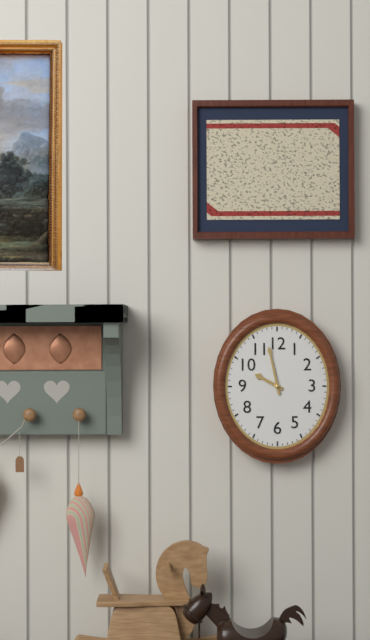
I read h=9 m=58
